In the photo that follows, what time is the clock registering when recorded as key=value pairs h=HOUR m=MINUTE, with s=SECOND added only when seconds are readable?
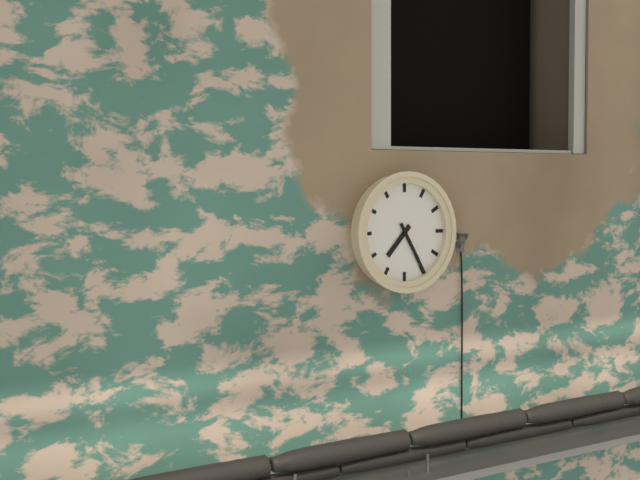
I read h=7 m=25
